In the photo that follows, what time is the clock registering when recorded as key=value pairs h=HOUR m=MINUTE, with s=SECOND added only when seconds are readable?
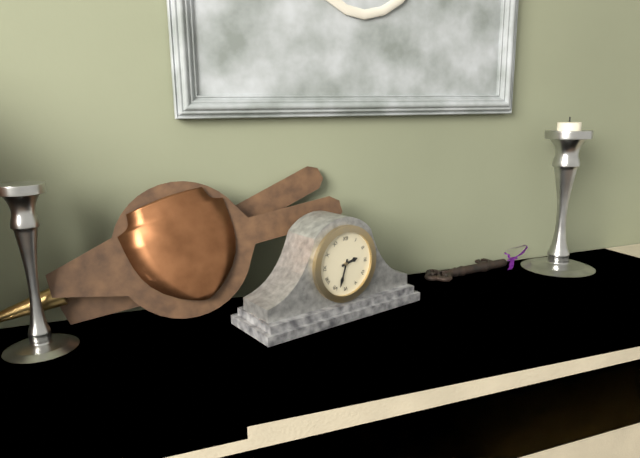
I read h=2 m=33
